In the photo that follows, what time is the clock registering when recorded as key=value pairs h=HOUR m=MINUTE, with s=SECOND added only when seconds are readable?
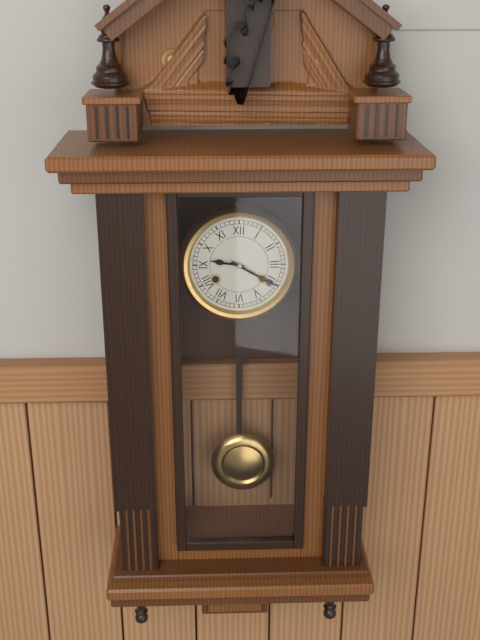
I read h=9 m=20
